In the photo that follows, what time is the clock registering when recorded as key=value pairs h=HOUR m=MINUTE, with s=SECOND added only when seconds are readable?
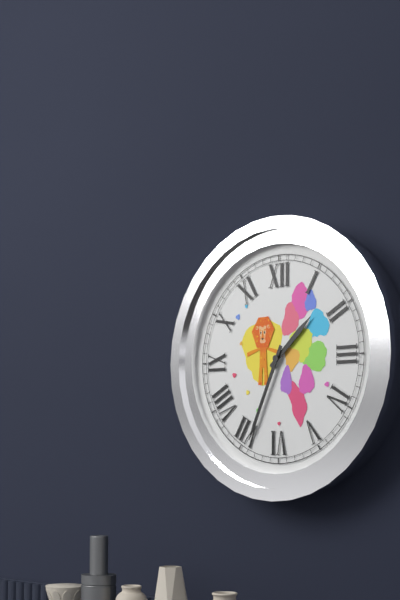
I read h=1 m=34
